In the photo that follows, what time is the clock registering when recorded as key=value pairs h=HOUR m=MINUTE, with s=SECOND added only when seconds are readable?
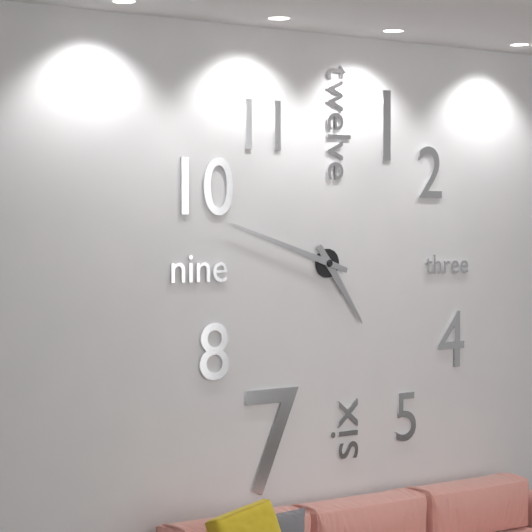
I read h=4 m=48
